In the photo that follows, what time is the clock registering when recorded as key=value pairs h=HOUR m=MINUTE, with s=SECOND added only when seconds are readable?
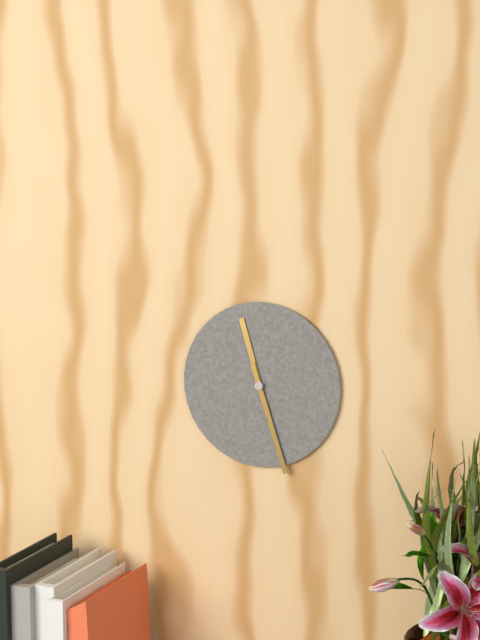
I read h=11 m=27
